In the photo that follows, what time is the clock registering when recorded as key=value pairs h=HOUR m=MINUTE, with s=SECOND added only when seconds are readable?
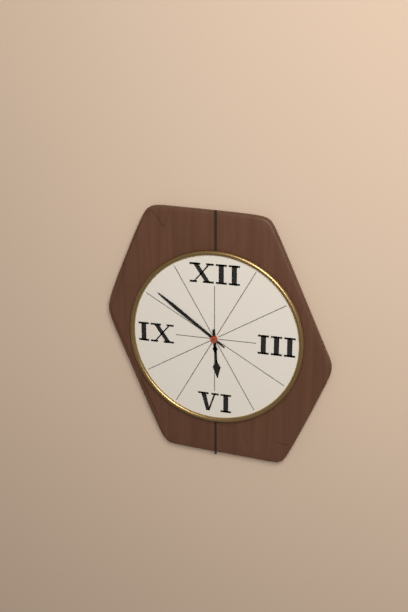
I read h=5 m=51
